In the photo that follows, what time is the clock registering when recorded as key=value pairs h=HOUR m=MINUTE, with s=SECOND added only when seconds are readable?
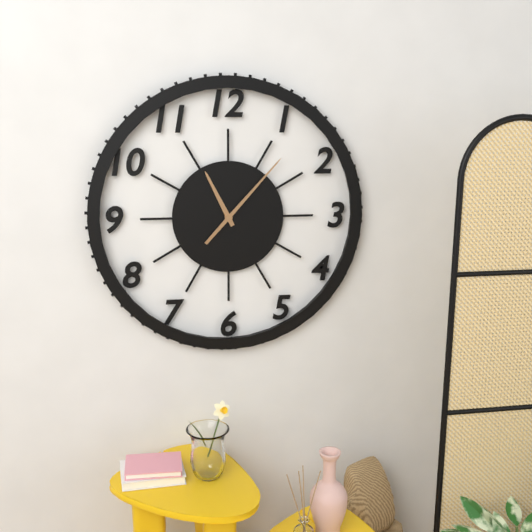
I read h=11 m=7
